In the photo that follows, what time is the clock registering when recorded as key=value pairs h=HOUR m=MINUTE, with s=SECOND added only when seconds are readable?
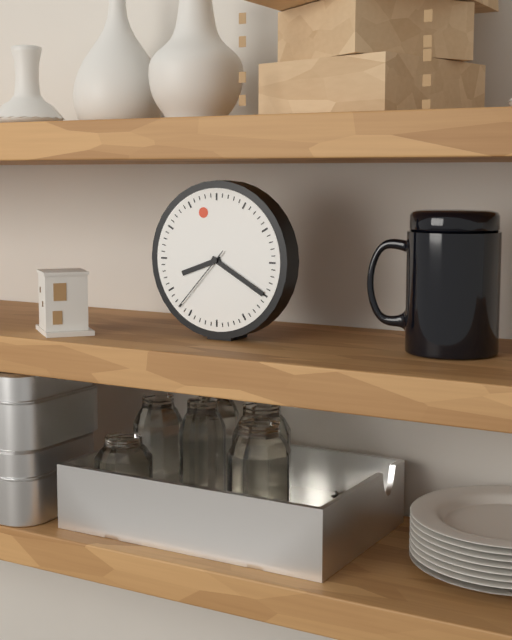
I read h=8 m=20 s=37
